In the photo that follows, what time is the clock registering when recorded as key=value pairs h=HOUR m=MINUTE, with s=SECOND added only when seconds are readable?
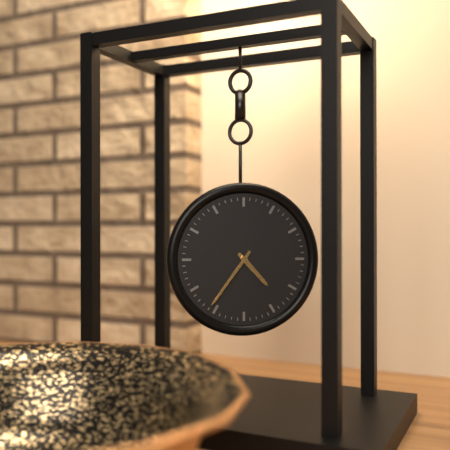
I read h=4 m=36
